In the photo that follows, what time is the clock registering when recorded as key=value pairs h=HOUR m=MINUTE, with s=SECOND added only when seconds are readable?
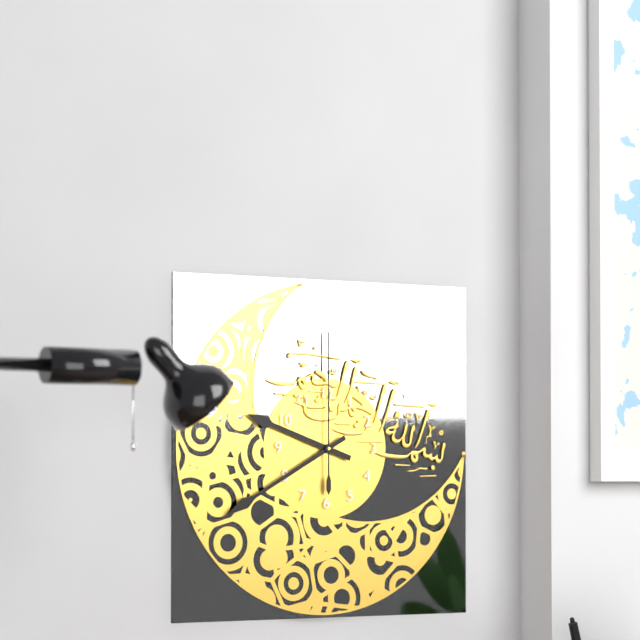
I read h=9 m=40 s=0
